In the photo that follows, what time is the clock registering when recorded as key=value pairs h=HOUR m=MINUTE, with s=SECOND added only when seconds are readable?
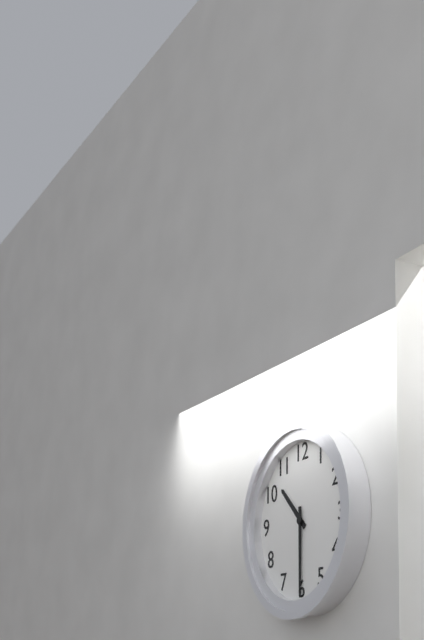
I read h=10 m=30
